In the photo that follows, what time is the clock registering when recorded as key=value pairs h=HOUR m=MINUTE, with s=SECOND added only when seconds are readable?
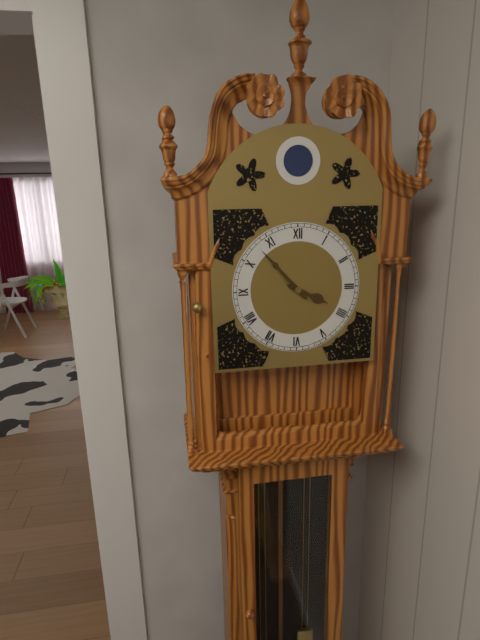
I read h=3 m=53
